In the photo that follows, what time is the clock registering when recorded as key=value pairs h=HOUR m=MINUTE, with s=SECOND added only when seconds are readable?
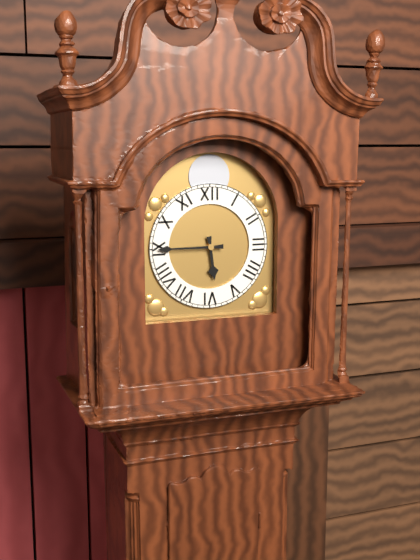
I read h=5 m=45
